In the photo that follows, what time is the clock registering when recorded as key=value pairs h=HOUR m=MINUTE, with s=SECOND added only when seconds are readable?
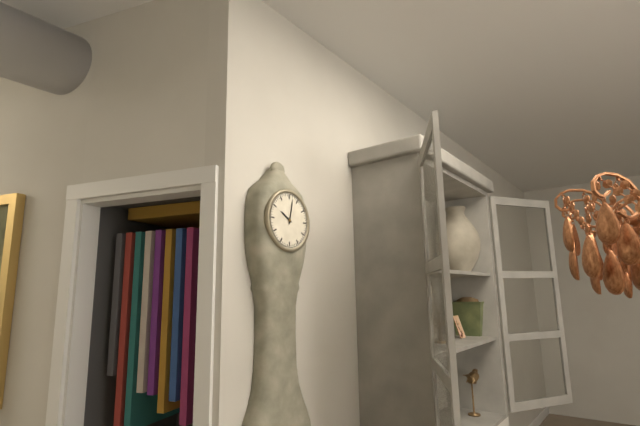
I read h=10 m=2
